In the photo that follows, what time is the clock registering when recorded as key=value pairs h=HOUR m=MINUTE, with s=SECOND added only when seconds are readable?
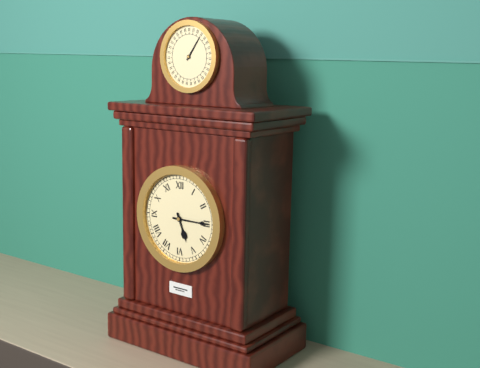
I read h=5 m=15
